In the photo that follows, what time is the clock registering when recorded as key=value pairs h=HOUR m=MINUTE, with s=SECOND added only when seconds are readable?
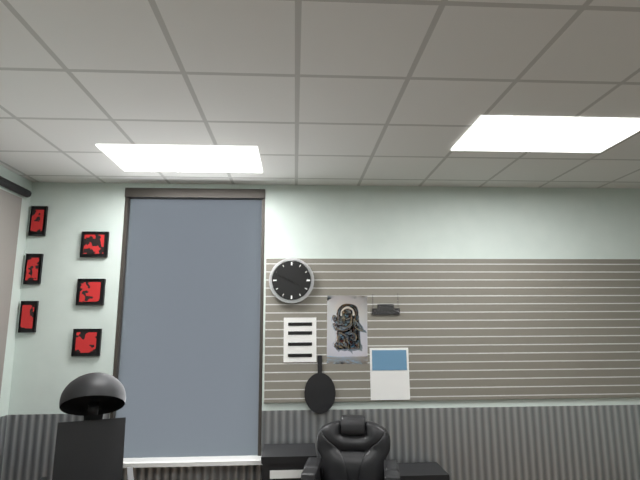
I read h=3 m=49
